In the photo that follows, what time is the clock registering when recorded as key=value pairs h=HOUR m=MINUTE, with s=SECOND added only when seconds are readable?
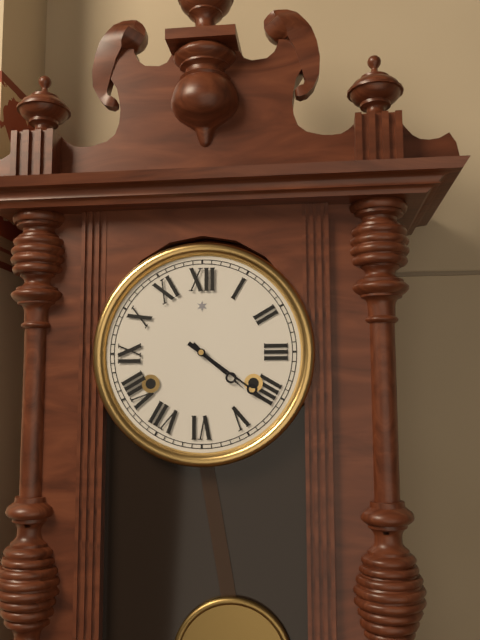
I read h=4 m=21
